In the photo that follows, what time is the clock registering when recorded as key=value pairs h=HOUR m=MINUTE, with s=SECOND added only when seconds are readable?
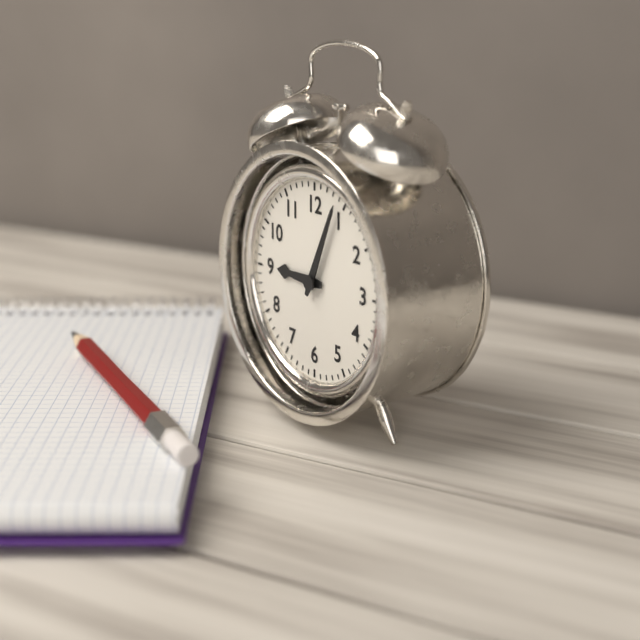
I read h=9 m=4
